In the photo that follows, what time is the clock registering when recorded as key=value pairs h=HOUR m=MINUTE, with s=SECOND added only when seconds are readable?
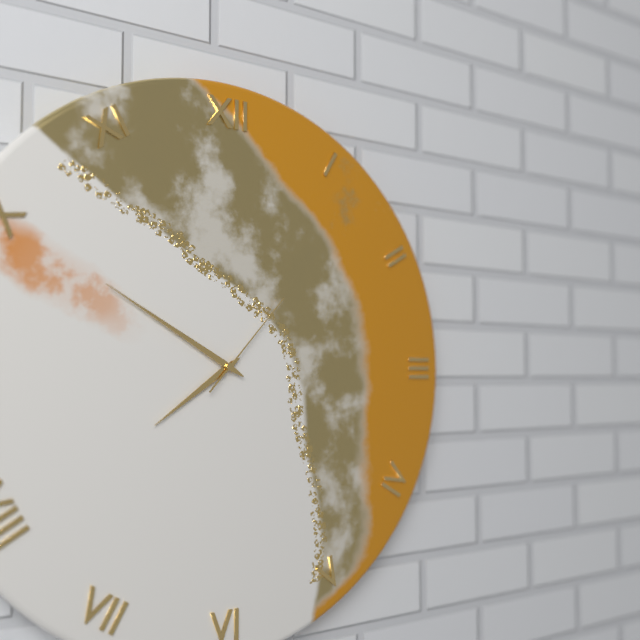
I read h=7 m=50 s=7
